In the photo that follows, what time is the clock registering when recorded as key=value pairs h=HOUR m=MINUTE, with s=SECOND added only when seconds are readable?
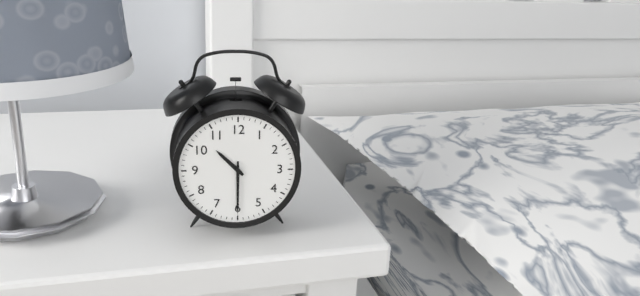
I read h=10 m=30
